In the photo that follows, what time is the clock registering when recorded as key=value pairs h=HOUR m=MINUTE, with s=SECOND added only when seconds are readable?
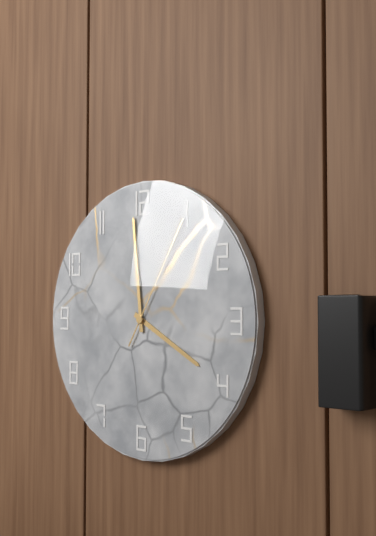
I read h=3 m=59 s=5
